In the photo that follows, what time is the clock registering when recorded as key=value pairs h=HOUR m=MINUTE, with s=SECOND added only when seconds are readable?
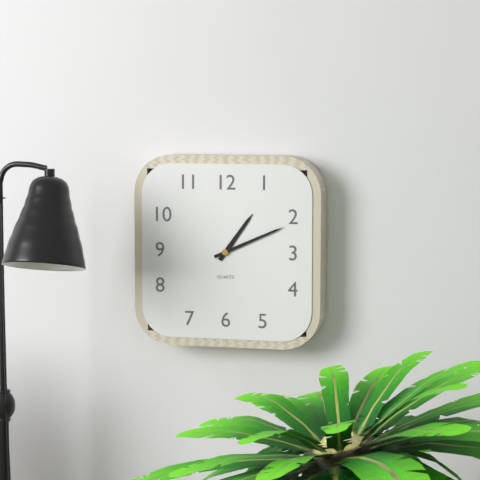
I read h=1 m=11
